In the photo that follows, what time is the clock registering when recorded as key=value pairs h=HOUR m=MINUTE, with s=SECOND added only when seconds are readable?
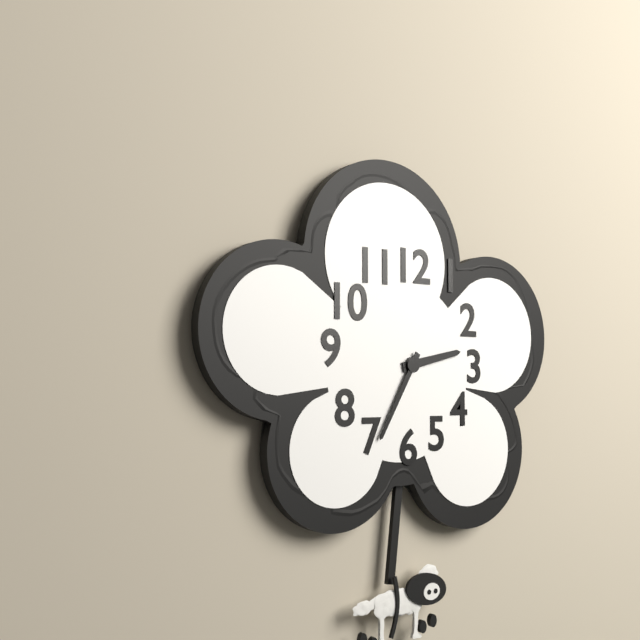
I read h=2 m=35
